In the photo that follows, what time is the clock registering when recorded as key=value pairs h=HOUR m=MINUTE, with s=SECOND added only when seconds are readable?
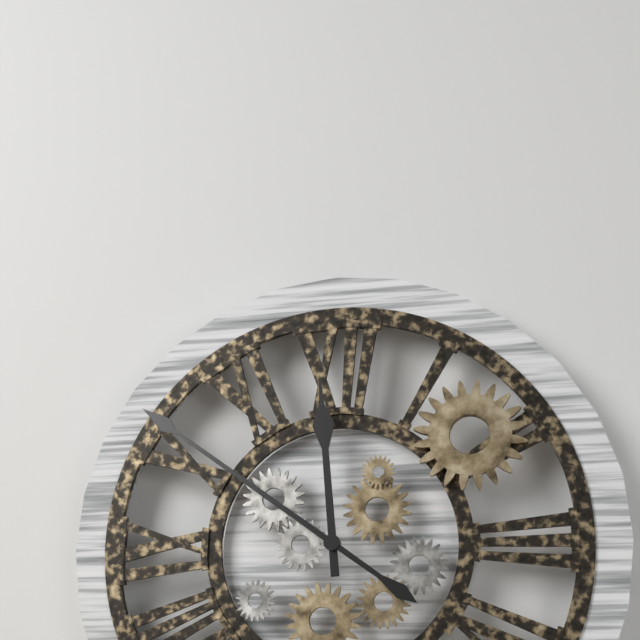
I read h=11 m=51
